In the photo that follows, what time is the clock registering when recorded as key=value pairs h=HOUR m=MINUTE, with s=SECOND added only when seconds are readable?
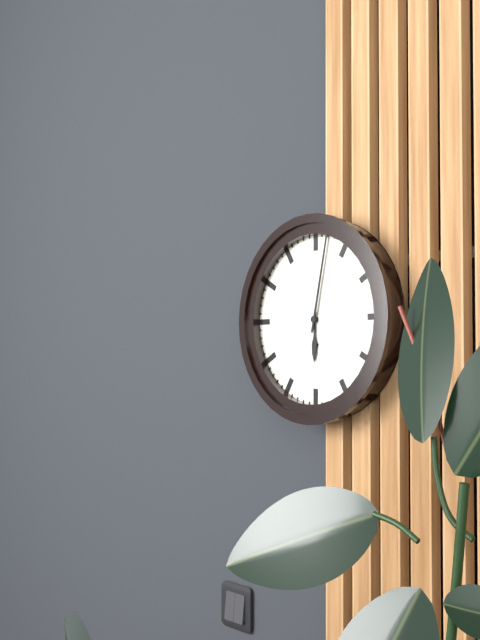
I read h=6 m=2
